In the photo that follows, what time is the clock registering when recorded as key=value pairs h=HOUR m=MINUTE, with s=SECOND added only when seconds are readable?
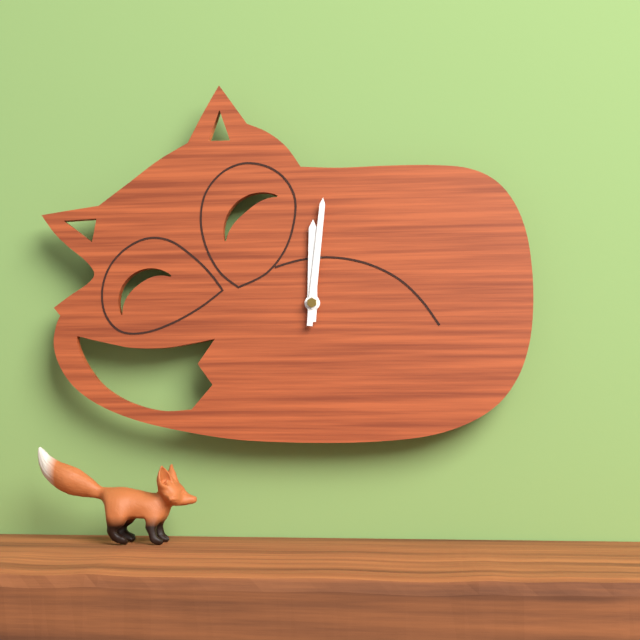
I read h=12 m=1
